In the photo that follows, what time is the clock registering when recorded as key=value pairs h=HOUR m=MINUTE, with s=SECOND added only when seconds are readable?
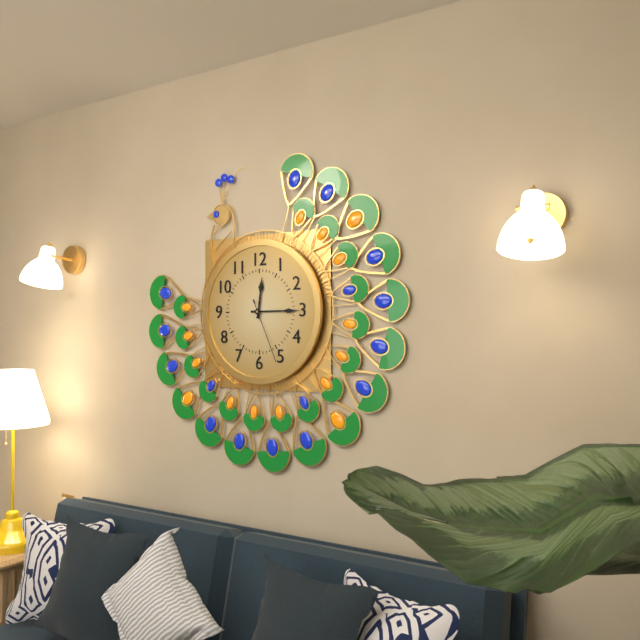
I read h=12 m=15 s=26
